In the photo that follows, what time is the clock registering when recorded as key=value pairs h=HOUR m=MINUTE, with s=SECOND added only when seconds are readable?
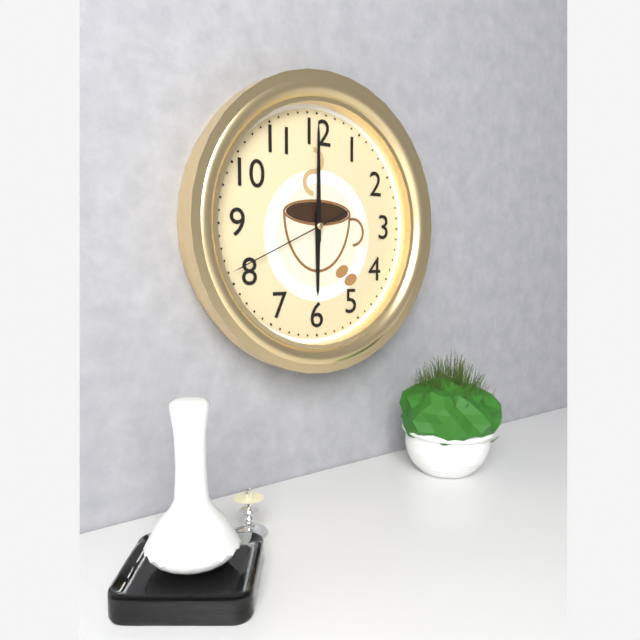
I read h=6 m=0 s=41
